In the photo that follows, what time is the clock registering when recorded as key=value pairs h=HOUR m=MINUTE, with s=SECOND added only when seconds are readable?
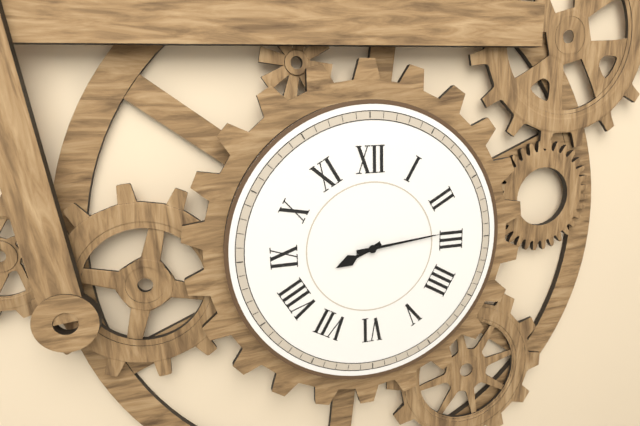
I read h=8 m=14
